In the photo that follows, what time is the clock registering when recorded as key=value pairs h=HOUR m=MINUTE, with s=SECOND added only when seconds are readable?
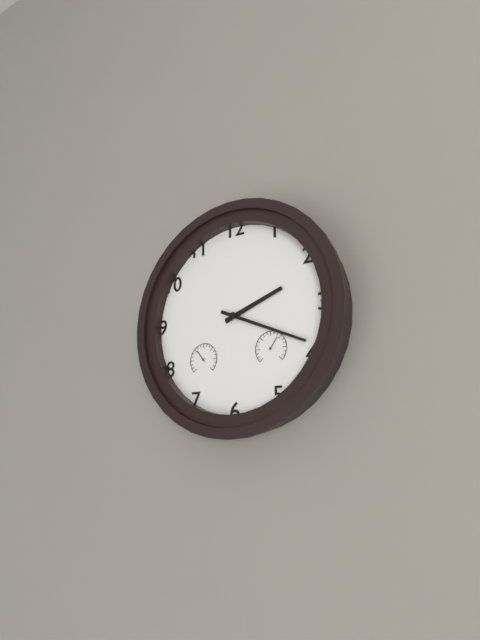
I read h=2 m=19
